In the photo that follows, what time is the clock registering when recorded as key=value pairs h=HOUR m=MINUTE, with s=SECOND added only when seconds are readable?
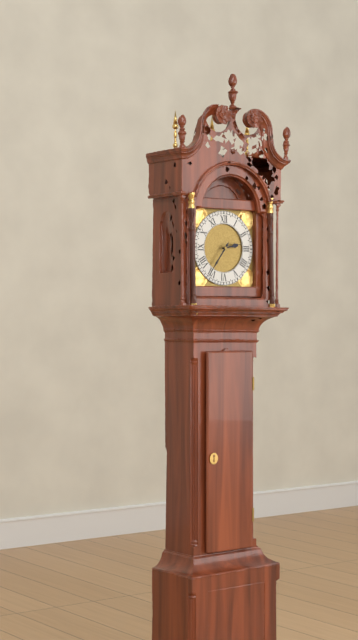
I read h=2 m=36
